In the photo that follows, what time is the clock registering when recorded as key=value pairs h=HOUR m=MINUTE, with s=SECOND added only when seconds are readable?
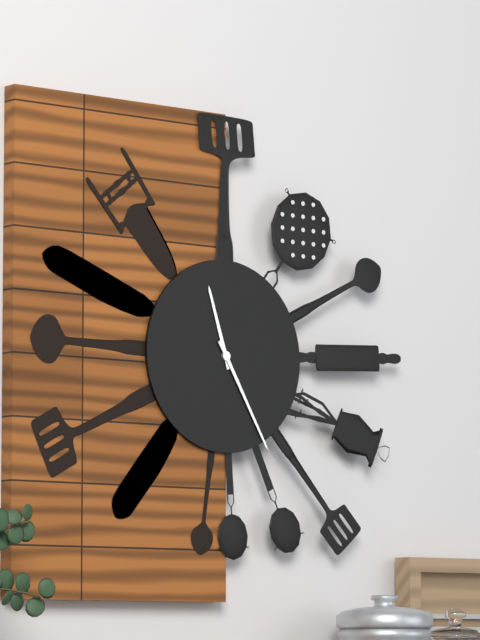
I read h=11 m=25
